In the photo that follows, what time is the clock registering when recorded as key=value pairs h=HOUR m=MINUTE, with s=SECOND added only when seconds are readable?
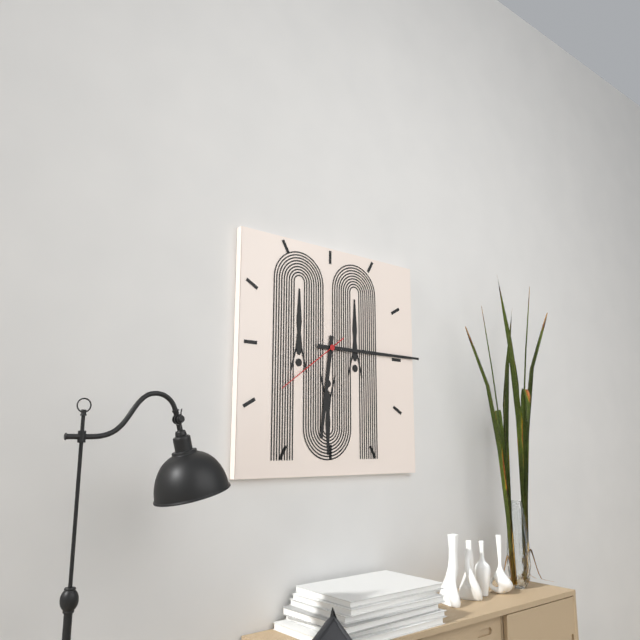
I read h=6 m=15 s=39
